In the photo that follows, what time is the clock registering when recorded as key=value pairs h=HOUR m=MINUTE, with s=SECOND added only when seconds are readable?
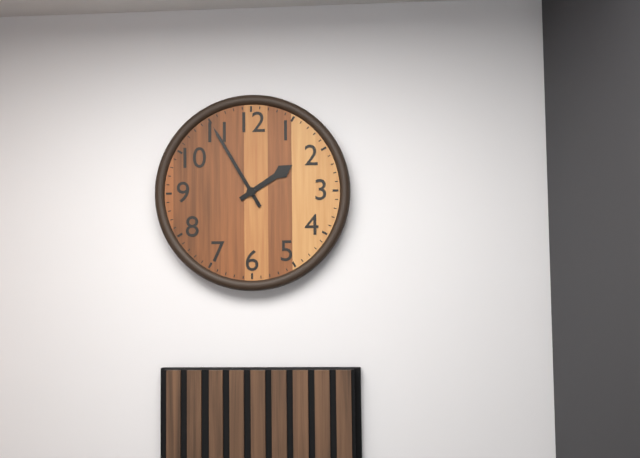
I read h=1 m=55
